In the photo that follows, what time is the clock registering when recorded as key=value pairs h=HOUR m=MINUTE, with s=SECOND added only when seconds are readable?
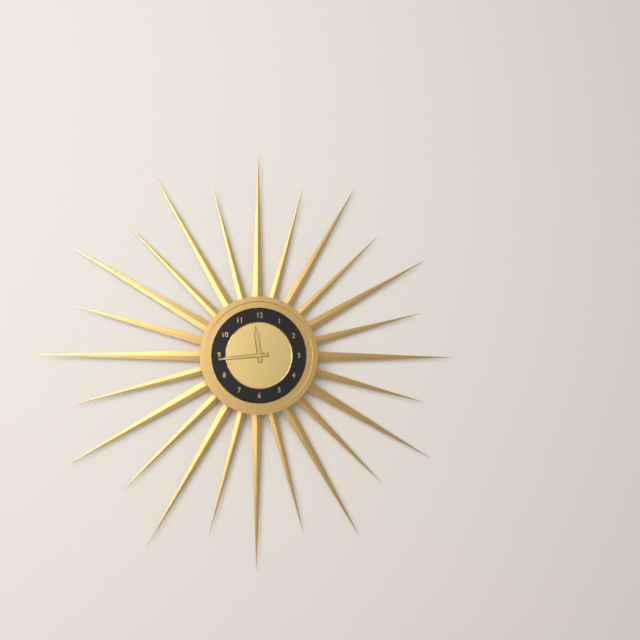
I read h=11 m=44
